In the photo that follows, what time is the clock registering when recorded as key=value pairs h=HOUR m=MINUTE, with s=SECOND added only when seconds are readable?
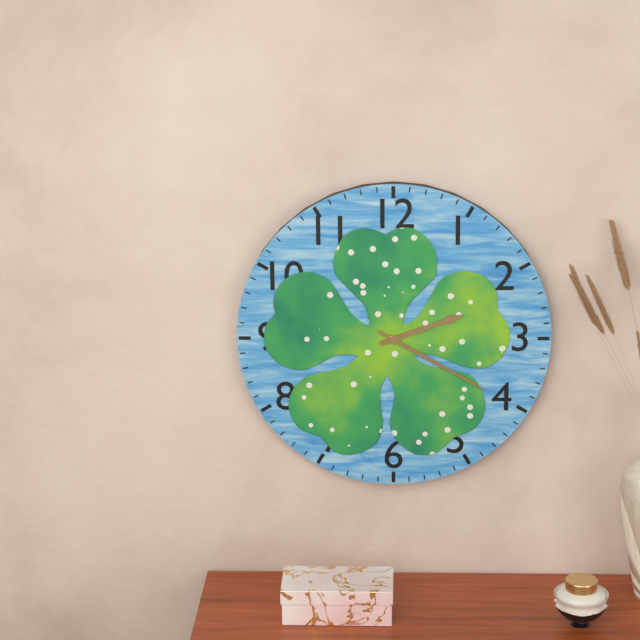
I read h=2 m=20
